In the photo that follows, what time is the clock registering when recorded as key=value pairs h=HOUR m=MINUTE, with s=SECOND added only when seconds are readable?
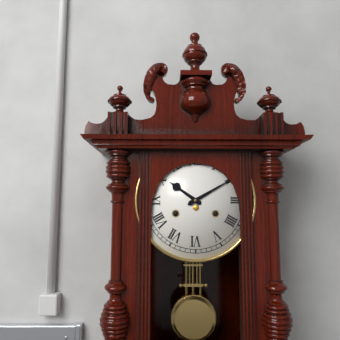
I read h=10 m=10
